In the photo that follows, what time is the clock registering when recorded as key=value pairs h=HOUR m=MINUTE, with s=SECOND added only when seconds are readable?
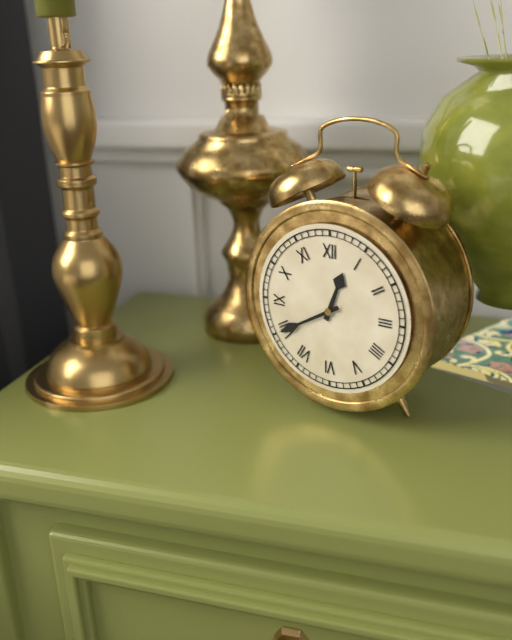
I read h=12 m=40
